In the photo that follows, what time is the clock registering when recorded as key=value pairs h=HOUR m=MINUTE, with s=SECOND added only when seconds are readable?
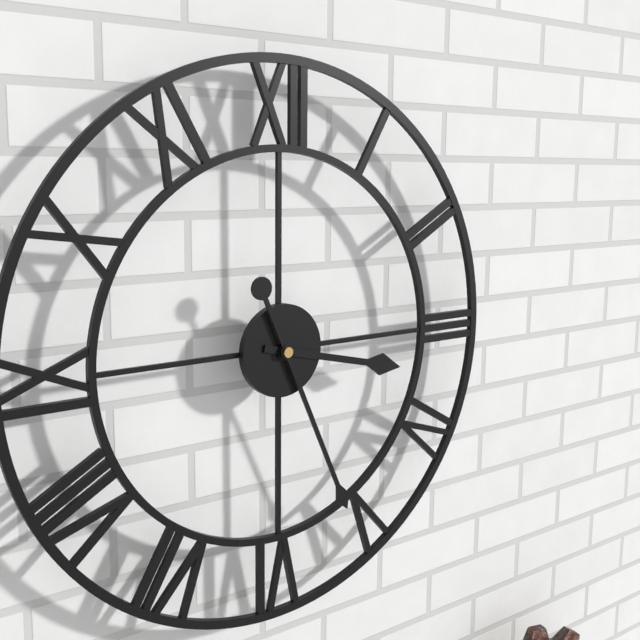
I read h=3 m=26
